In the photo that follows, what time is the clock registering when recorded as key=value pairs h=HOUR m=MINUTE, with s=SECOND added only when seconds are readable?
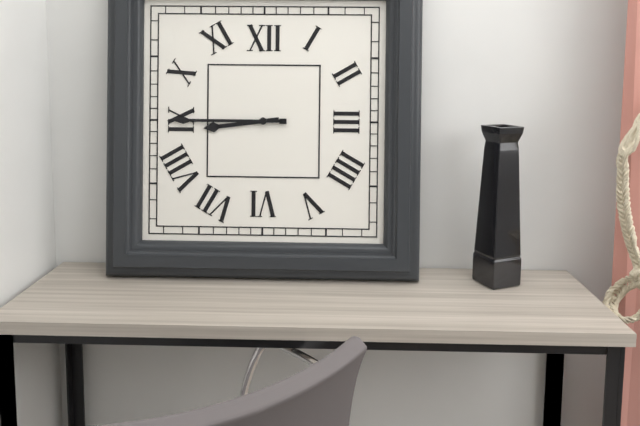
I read h=8 m=45
